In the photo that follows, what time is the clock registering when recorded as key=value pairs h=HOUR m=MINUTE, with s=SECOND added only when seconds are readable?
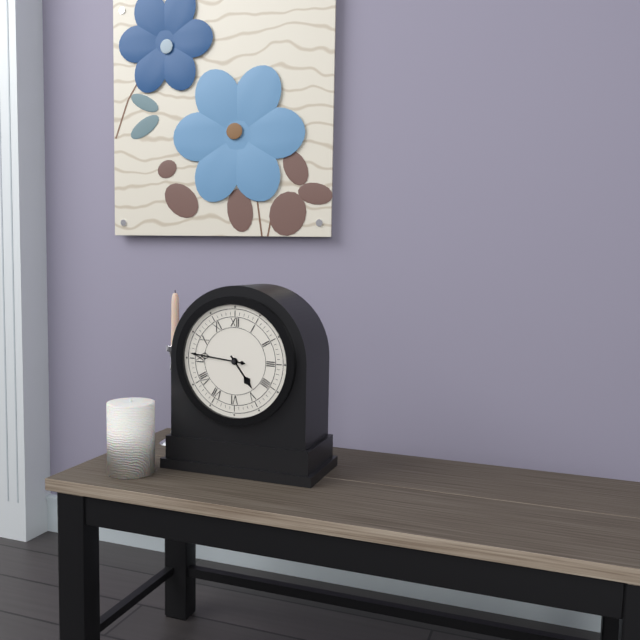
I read h=4 m=46
